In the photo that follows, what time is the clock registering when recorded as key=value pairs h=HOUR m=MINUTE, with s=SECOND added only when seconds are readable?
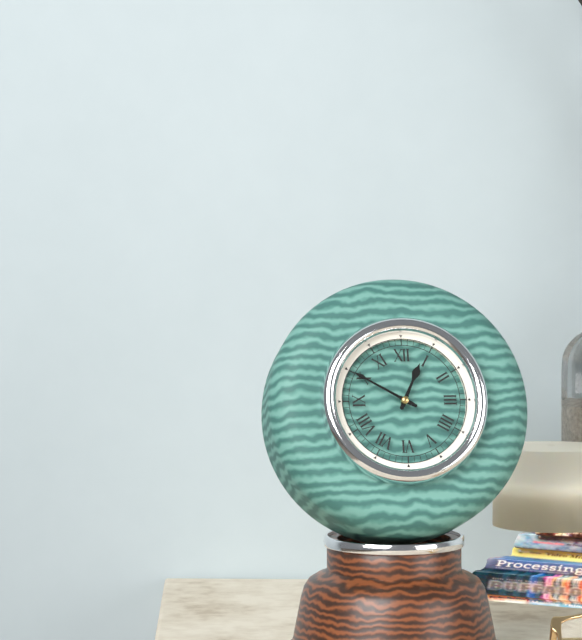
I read h=12 m=50
